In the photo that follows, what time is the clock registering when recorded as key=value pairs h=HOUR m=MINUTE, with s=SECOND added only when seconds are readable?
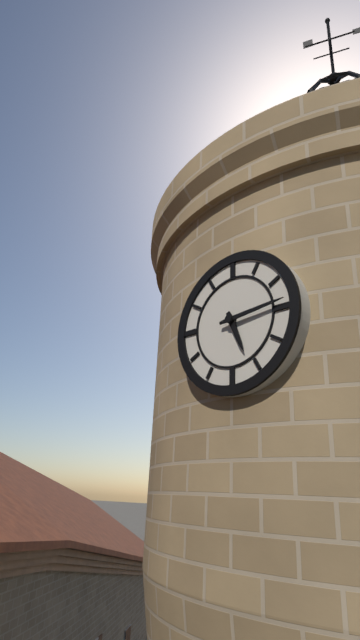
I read h=5 m=14
